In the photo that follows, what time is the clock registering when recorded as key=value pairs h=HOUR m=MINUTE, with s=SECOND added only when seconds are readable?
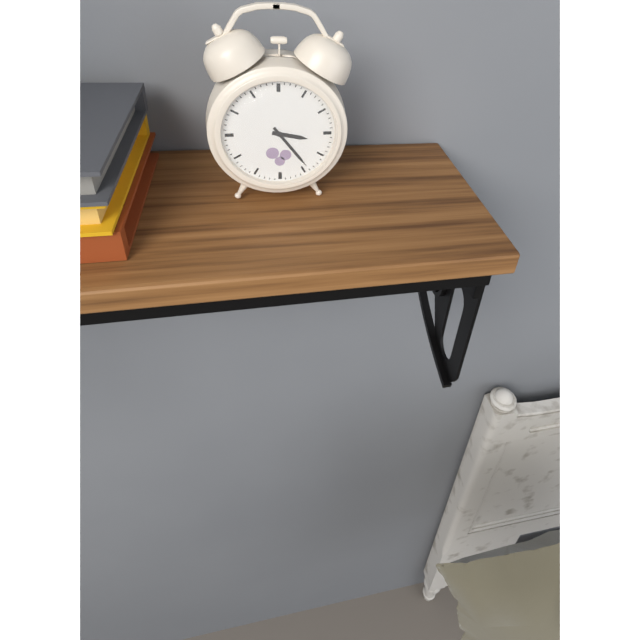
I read h=3 m=24
